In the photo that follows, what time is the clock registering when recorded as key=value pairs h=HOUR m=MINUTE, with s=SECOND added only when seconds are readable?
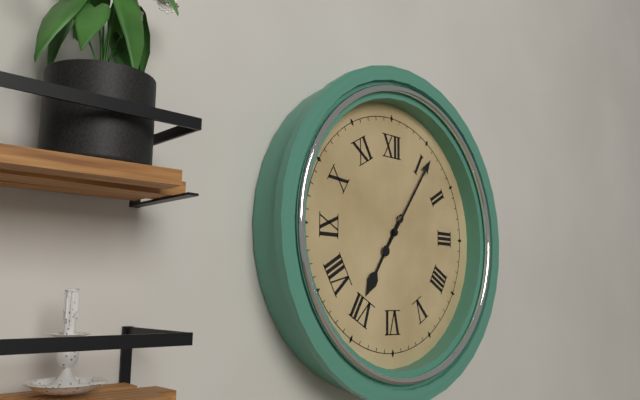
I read h=7 m=6
